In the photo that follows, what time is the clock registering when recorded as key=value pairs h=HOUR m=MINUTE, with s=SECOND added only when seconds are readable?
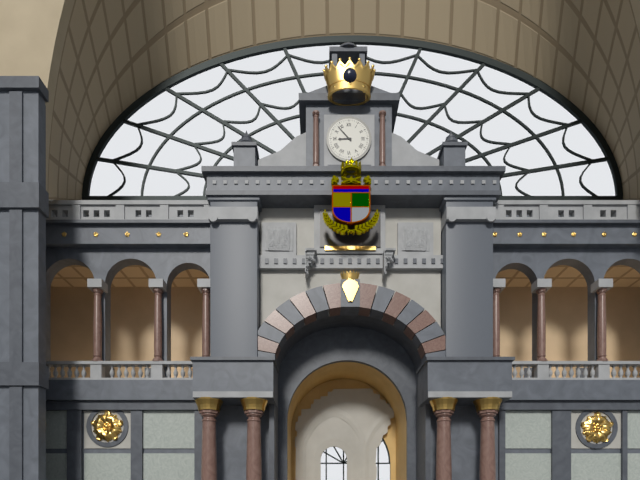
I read h=8 m=53
